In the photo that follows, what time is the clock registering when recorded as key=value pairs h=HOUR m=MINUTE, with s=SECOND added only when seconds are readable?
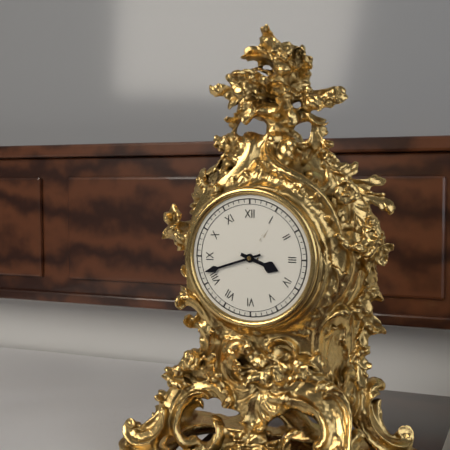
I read h=3 m=42
